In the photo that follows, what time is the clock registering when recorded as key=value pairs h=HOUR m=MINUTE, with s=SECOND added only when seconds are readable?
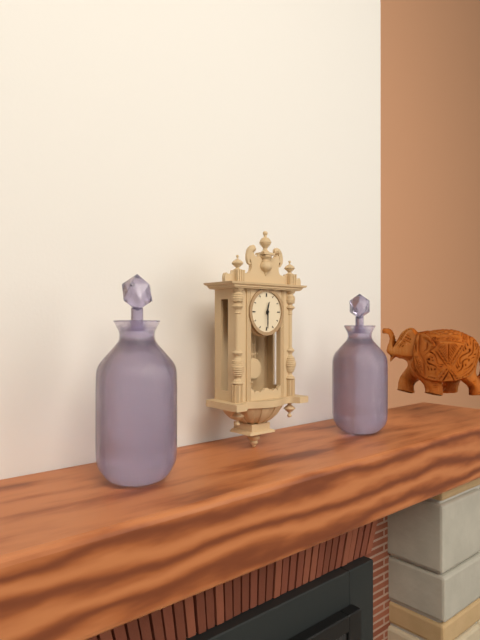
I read h=12 m=30
